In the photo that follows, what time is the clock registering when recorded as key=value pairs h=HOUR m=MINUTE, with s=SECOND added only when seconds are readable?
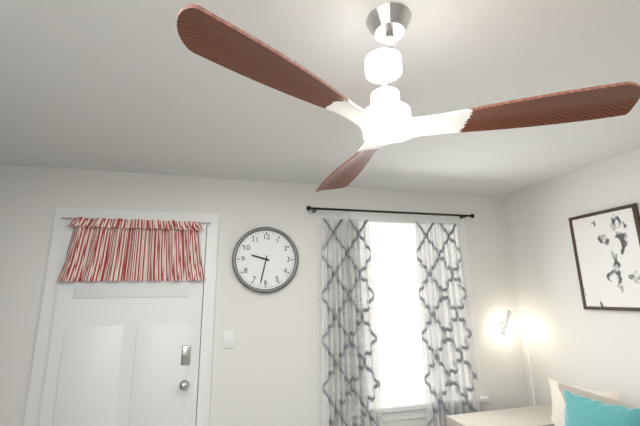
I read h=9 m=32
